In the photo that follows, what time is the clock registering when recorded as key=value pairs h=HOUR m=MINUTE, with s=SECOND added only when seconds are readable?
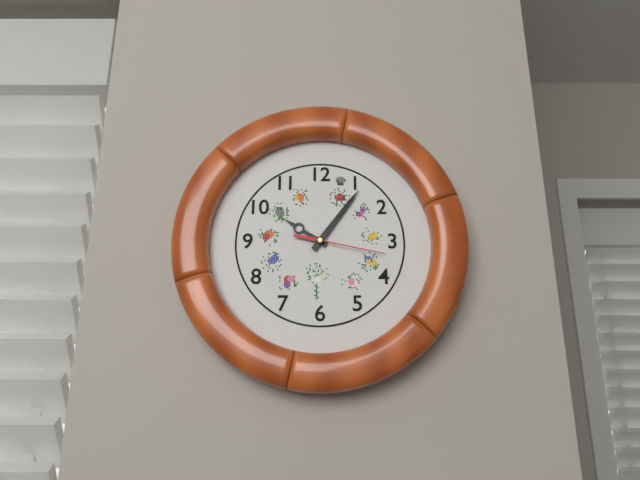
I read h=10 m=6 s=17
